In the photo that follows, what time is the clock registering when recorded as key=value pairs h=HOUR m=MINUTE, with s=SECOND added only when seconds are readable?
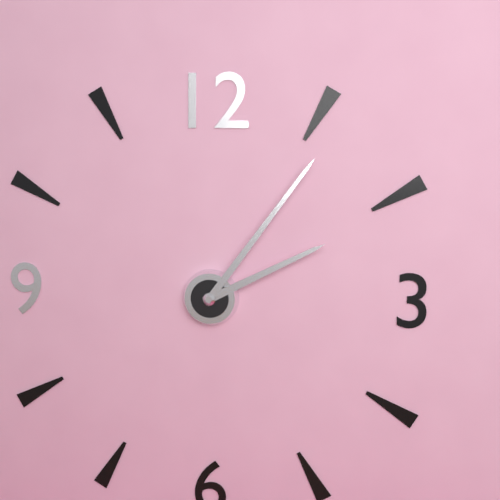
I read h=2 m=6
